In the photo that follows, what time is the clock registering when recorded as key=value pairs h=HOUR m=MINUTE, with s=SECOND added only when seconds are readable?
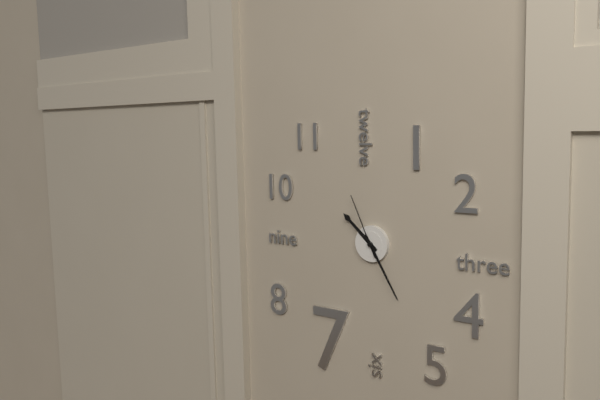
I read h=10 m=25 s=56
